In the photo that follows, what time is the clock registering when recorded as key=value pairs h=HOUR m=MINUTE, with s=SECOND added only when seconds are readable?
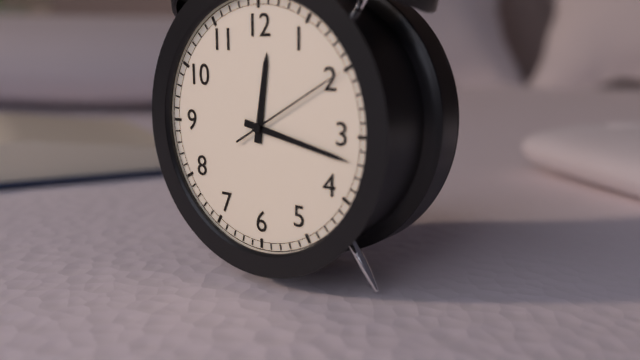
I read h=12 m=17 s=10
